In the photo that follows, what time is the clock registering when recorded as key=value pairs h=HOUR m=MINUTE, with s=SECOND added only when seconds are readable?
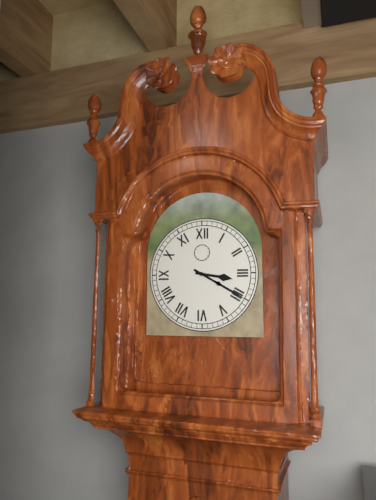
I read h=3 m=20
